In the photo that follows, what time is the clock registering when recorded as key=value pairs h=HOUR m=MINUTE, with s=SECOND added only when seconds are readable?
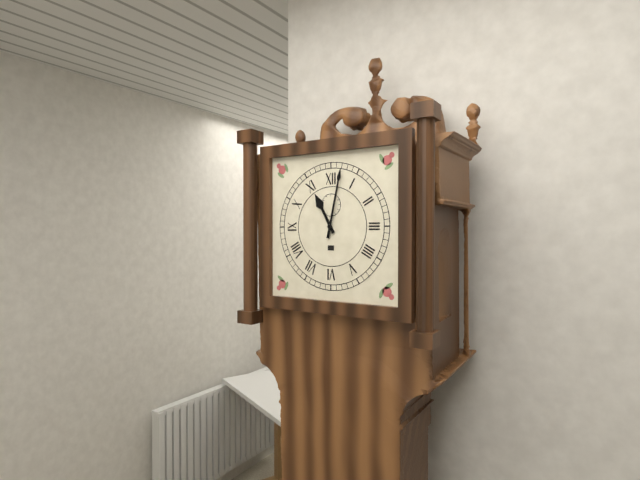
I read h=11 m=2
